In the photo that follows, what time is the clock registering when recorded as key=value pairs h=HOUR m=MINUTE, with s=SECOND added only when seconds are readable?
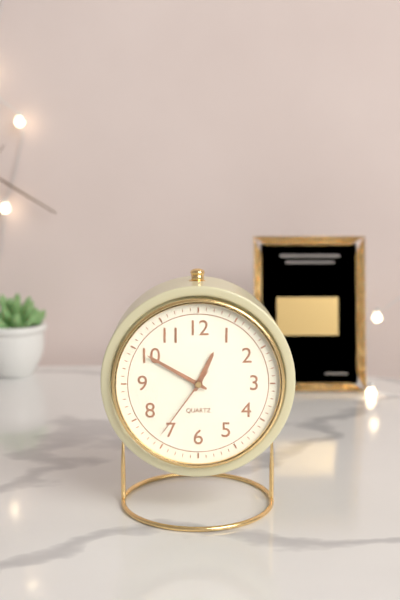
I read h=12 m=50 s=36
